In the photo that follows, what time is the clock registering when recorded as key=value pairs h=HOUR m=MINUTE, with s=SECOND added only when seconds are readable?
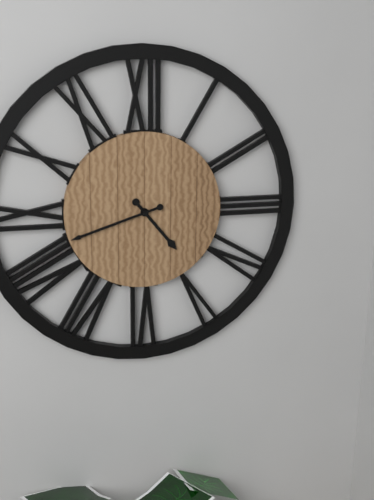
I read h=4 m=42
